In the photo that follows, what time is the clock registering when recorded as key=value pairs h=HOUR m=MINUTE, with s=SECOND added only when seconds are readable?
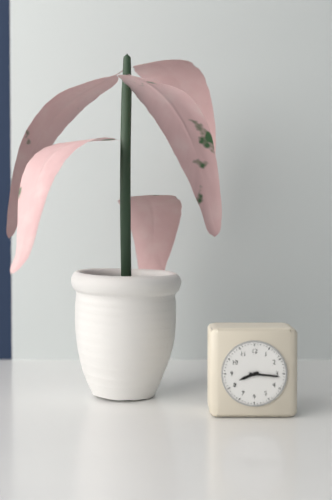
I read h=8 m=16
